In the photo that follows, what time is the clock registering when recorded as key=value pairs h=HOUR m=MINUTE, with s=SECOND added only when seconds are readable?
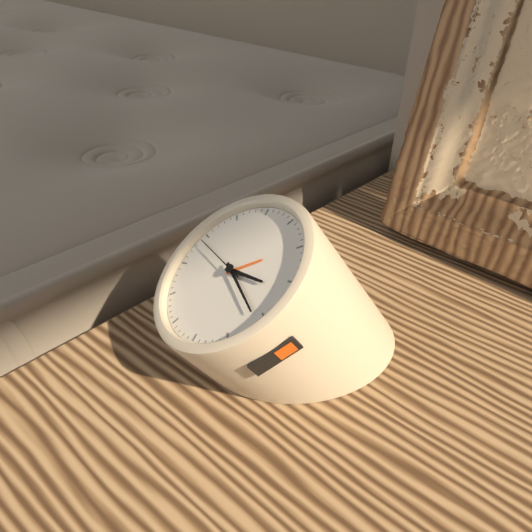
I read h=2 m=16 s=44
